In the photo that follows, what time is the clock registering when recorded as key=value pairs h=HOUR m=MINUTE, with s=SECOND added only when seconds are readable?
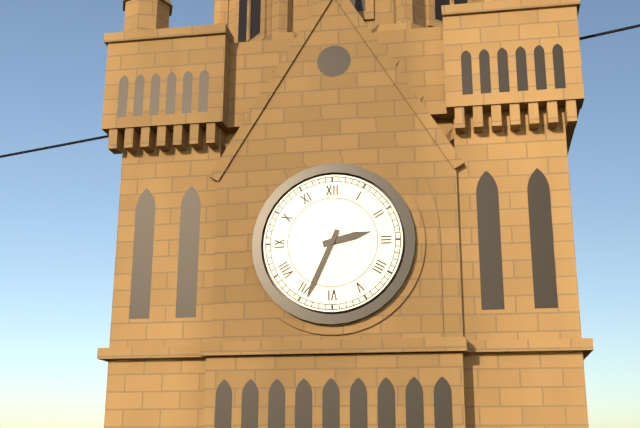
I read h=2 m=34
